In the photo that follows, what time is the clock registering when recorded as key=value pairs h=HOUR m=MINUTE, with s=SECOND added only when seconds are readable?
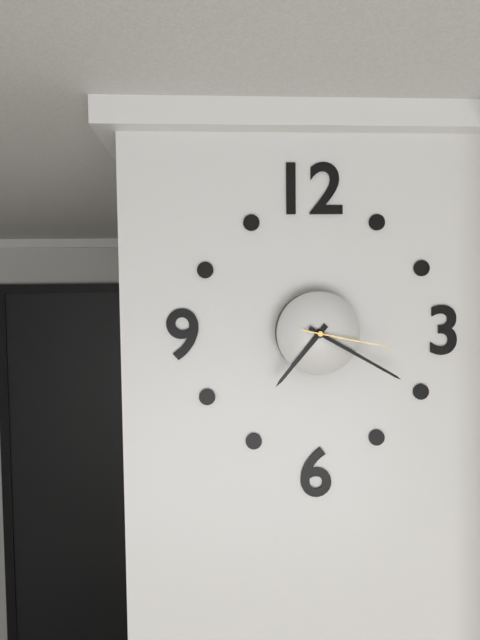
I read h=7 m=20 s=17
